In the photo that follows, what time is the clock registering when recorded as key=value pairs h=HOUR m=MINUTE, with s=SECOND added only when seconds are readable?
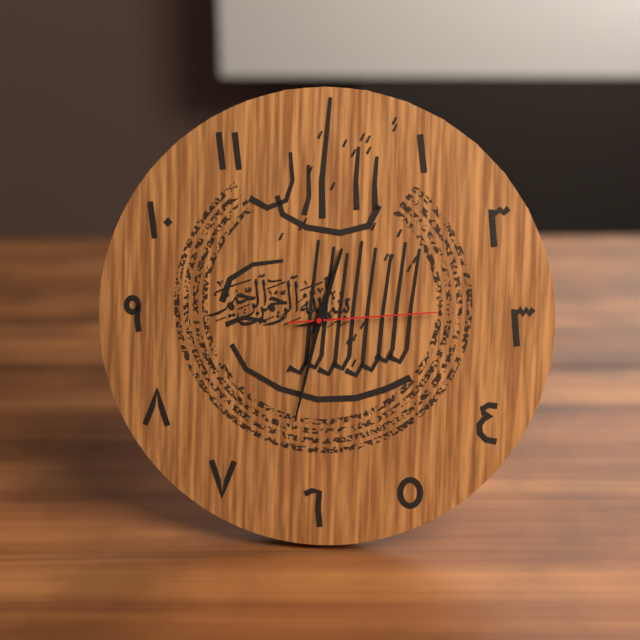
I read h=12 m=32 s=14
